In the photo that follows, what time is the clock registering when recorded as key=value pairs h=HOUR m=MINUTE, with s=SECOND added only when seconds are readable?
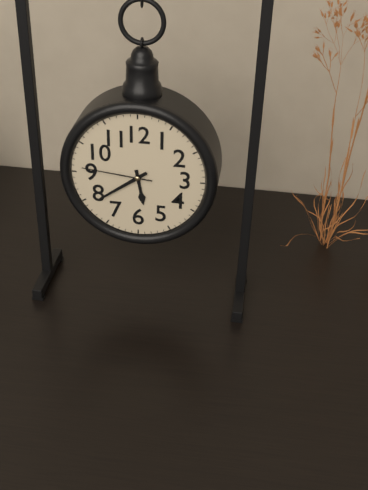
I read h=5 m=39 s=46
